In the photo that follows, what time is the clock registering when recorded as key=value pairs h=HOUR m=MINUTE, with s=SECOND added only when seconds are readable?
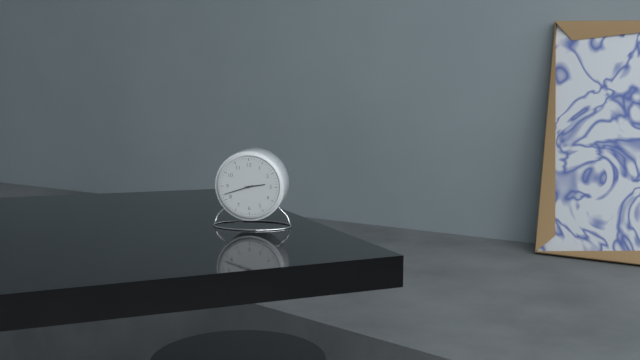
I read h=2 m=42
